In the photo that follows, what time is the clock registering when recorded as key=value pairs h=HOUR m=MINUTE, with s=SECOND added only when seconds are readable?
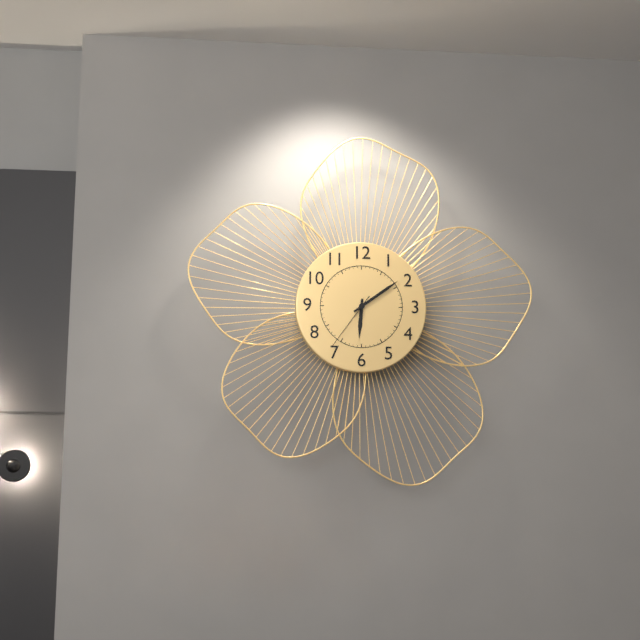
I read h=6 m=9 s=36
